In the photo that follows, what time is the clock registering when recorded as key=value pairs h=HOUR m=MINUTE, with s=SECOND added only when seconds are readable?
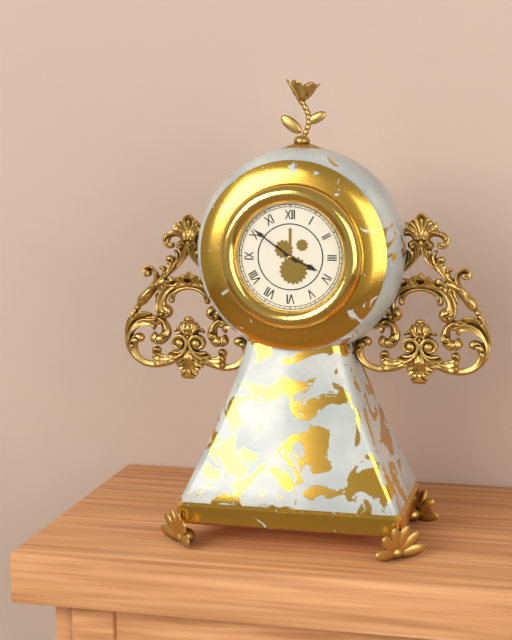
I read h=3 m=51
